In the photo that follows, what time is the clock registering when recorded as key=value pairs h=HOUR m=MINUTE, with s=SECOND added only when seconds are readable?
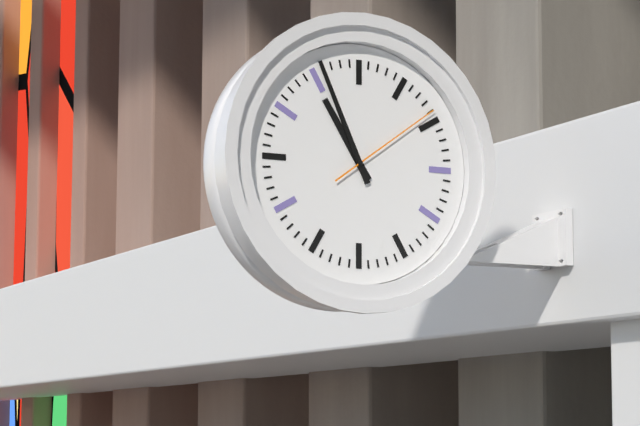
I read h=10 m=56 s=9
